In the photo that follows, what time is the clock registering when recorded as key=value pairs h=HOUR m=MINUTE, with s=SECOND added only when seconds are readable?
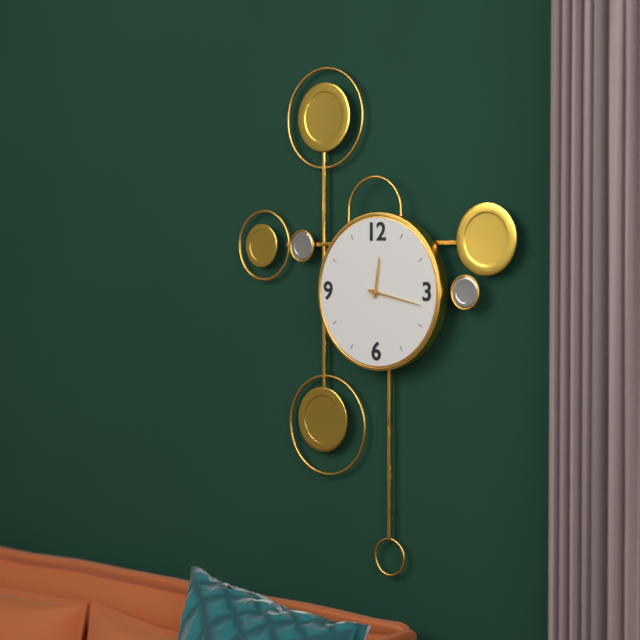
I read h=12 m=17
